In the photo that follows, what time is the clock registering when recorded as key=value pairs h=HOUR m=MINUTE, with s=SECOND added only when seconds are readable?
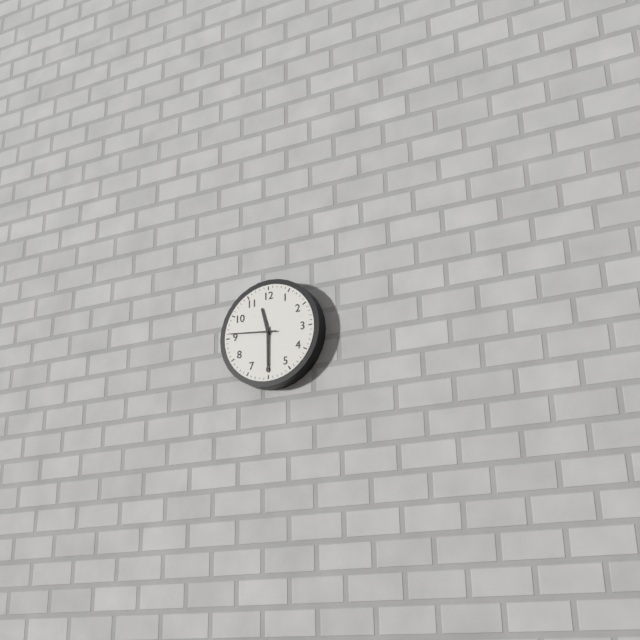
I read h=11 m=30 s=46
